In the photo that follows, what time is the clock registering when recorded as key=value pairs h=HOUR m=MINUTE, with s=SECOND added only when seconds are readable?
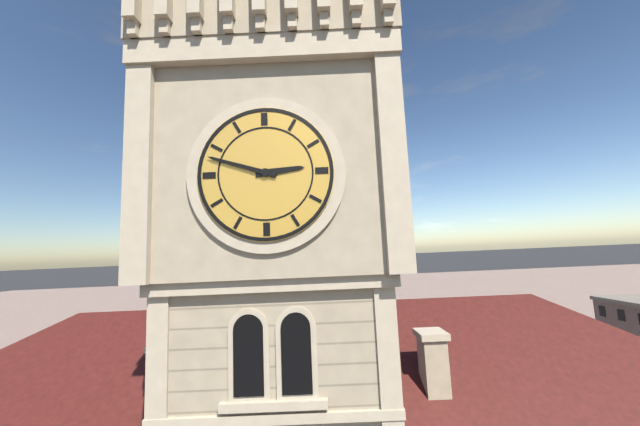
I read h=2 m=48
